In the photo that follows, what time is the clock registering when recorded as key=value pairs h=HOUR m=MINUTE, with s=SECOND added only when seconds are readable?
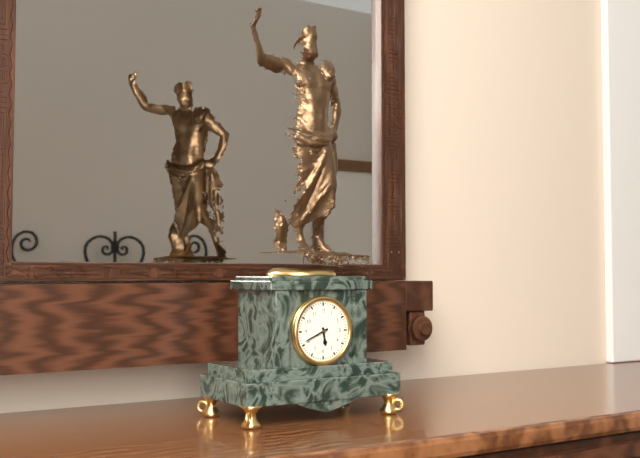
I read h=5 m=41
